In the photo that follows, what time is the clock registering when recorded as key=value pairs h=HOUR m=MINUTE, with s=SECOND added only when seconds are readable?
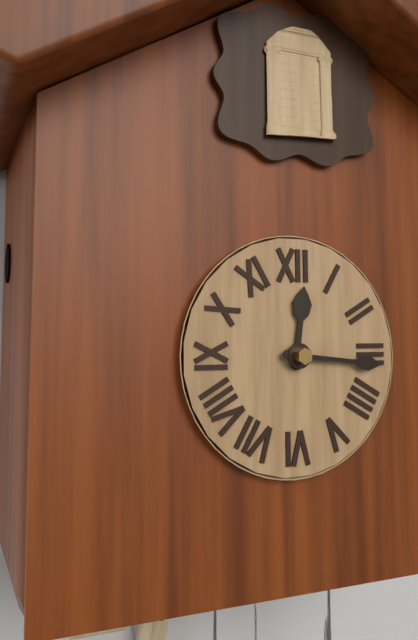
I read h=12 m=16
